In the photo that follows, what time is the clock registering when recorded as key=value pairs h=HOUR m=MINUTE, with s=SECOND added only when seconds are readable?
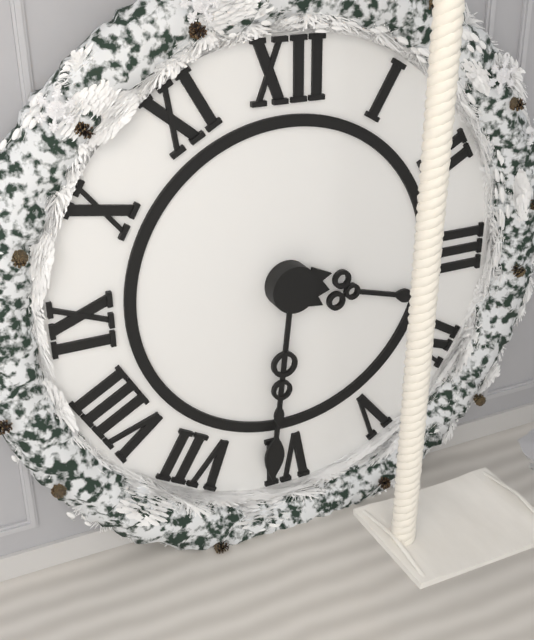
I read h=3 m=31
